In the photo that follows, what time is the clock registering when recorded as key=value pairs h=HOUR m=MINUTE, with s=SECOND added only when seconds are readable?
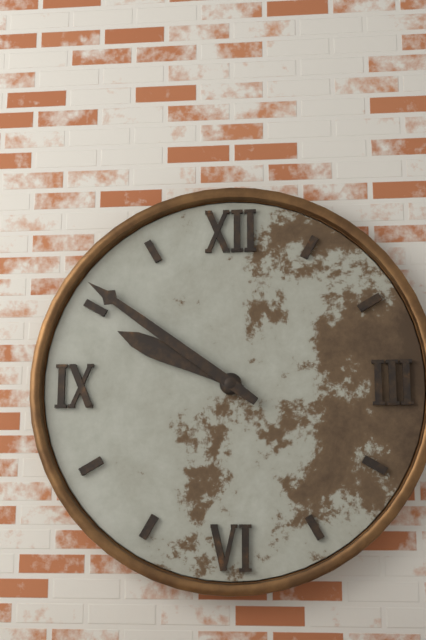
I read h=9 m=51
